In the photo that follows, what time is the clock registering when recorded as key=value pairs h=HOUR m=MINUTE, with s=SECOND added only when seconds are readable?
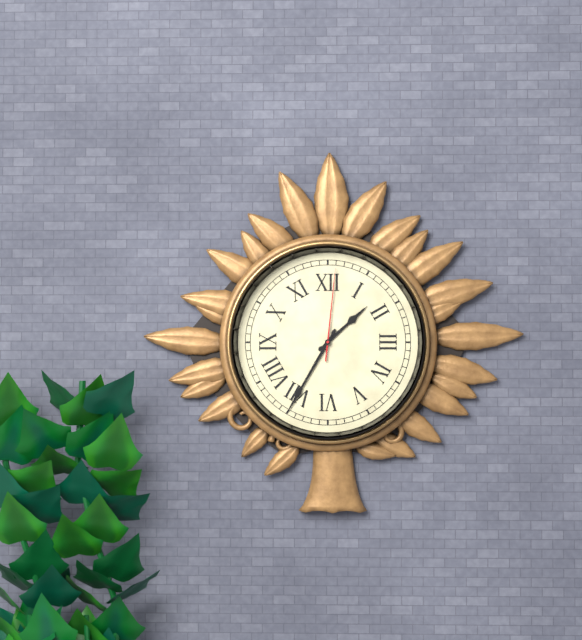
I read h=1 m=35 s=1
